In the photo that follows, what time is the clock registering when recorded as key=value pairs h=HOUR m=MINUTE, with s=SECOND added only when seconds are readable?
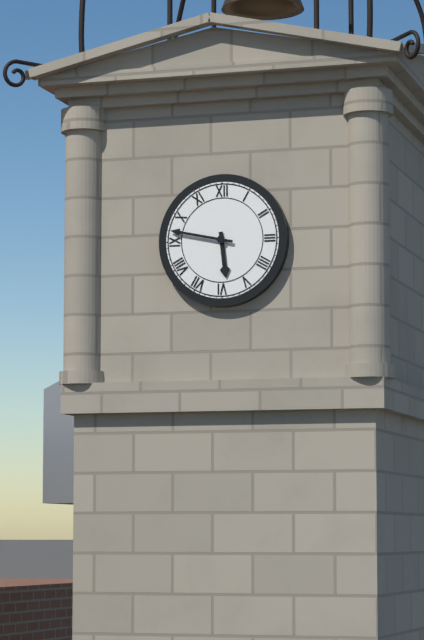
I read h=5 m=47
